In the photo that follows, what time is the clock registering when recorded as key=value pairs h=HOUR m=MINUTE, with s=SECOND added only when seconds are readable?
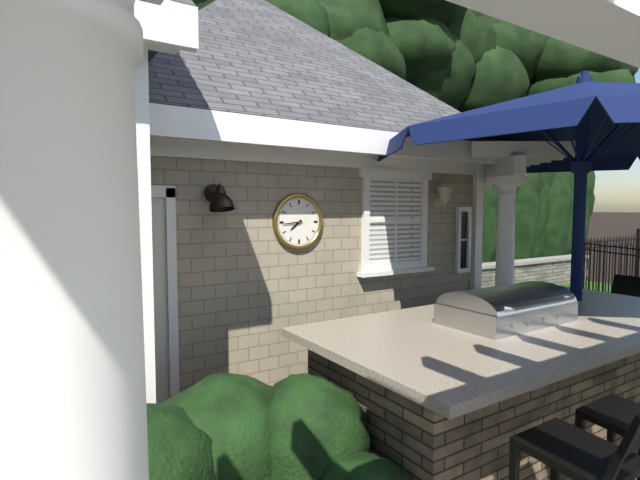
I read h=7 m=44
